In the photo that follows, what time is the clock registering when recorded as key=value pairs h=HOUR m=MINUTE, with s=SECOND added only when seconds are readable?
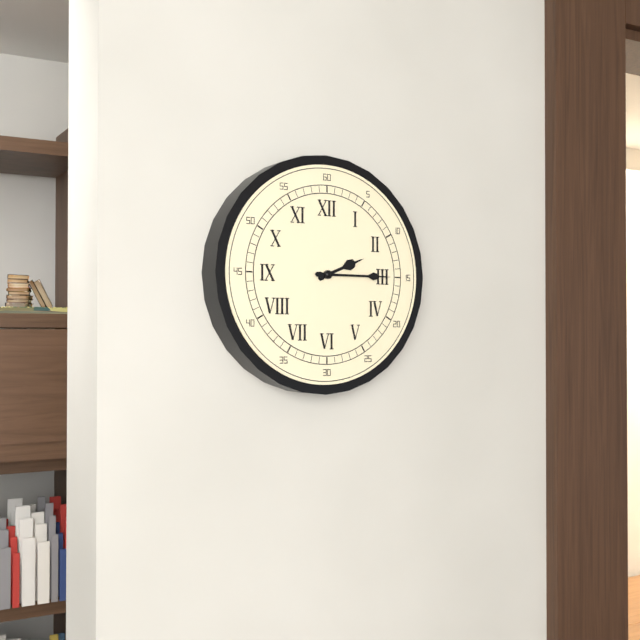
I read h=2 m=15
